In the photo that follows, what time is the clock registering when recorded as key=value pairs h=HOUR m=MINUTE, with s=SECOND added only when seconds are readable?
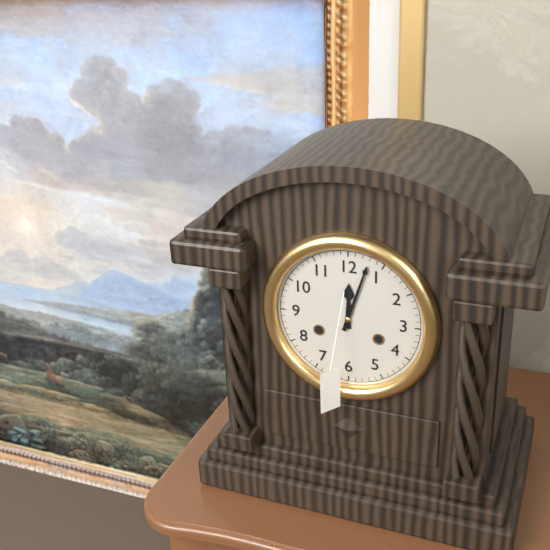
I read h=12 m=3
